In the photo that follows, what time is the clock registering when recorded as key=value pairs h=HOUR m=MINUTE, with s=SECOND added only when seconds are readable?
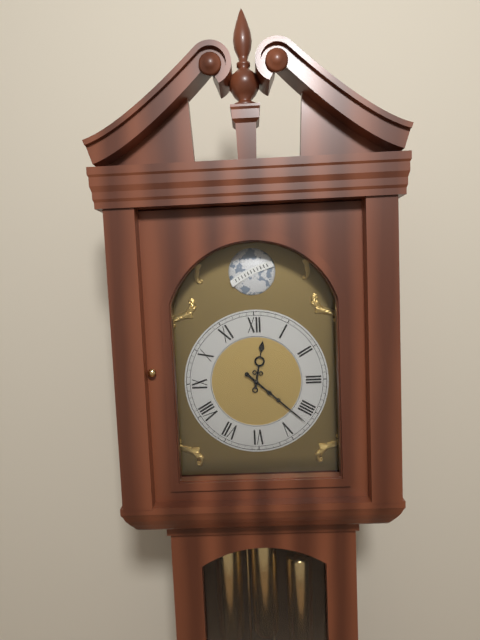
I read h=12 m=22
